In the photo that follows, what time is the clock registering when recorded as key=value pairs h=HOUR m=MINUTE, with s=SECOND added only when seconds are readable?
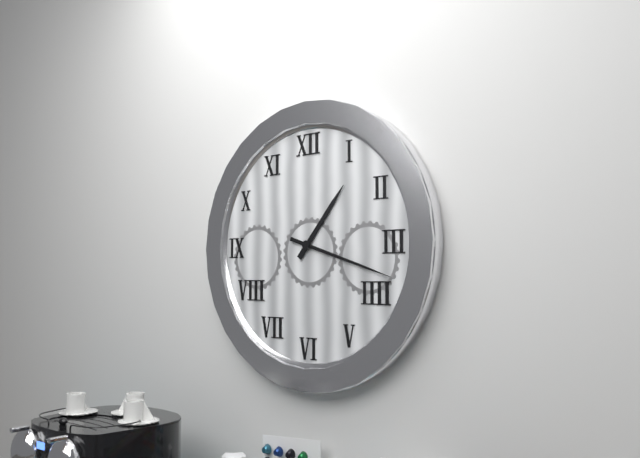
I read h=1 m=18
